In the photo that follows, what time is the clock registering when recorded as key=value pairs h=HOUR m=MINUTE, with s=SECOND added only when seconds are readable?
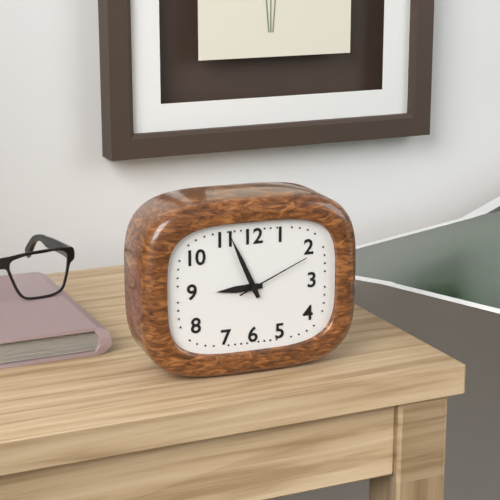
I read h=8 m=56 s=11
